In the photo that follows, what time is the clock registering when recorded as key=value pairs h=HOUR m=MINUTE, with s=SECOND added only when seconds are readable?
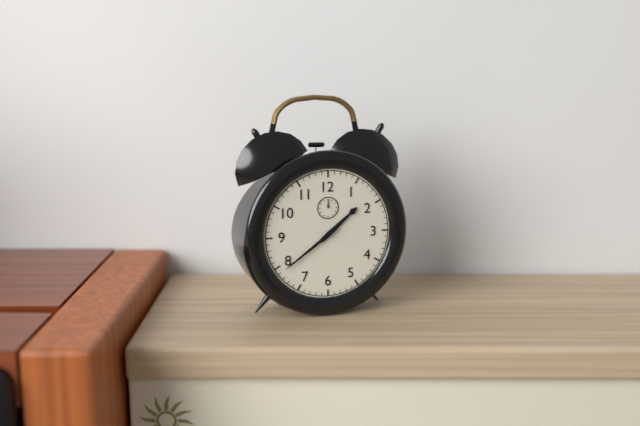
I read h=1 m=39
